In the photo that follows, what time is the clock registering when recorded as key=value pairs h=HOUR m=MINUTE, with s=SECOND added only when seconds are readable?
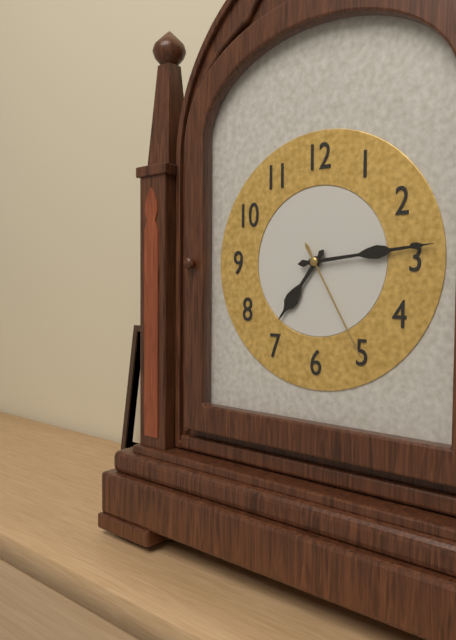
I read h=7 m=14 s=25
